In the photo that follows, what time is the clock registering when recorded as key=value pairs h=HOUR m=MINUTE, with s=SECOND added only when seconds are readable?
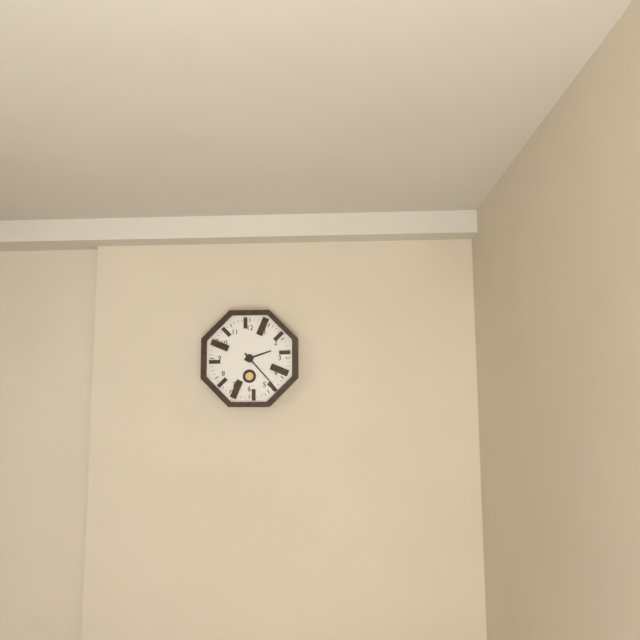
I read h=2 m=23
